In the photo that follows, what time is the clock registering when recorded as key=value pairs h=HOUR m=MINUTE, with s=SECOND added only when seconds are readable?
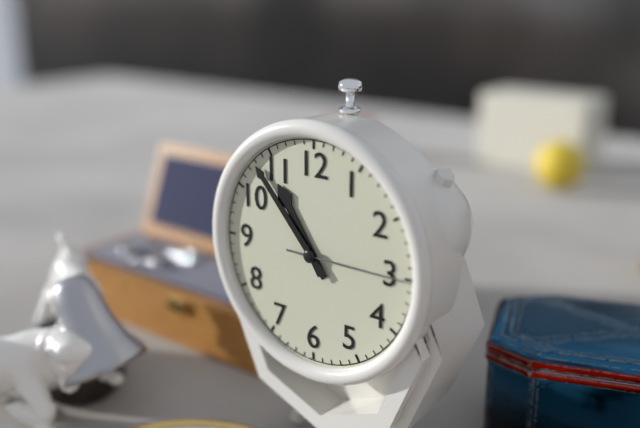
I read h=10 m=53 s=15
